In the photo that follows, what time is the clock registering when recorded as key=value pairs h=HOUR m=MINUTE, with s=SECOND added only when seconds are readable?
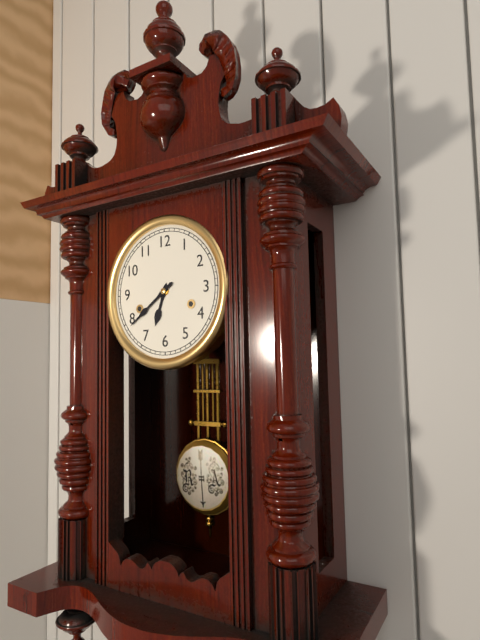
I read h=6 m=39
